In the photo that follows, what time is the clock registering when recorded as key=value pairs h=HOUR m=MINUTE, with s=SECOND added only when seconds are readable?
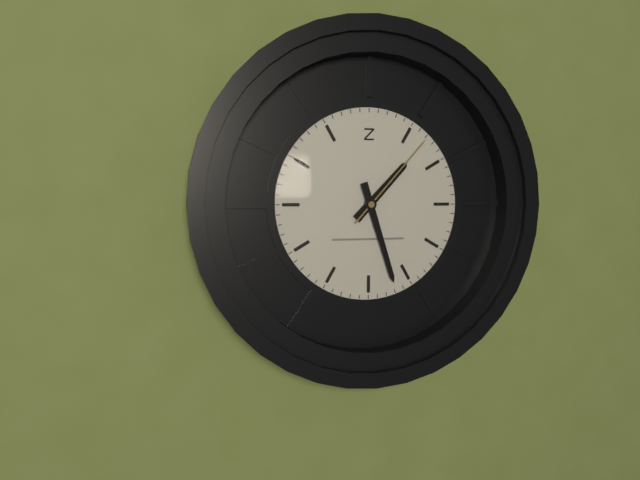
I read h=1 m=27 s=7
